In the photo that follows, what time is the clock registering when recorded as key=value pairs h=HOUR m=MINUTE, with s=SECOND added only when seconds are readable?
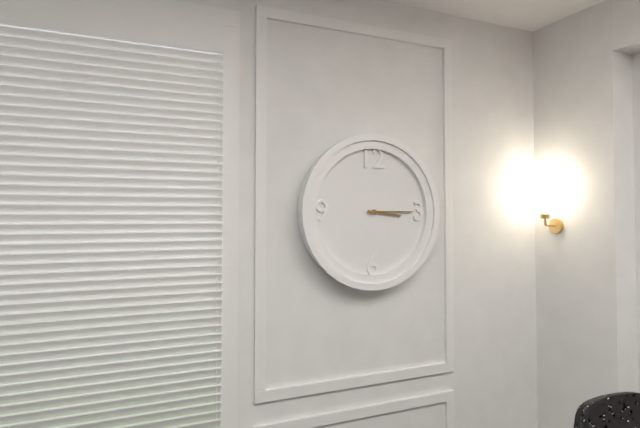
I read h=3 m=15
